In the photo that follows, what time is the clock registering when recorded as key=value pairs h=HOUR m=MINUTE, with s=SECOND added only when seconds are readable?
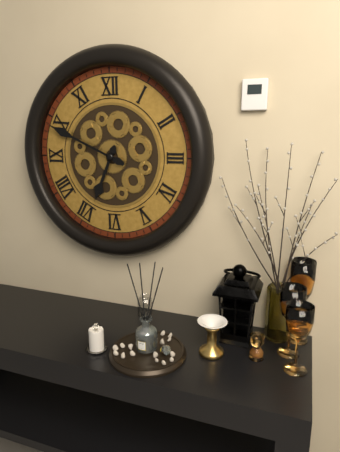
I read h=6 m=49
